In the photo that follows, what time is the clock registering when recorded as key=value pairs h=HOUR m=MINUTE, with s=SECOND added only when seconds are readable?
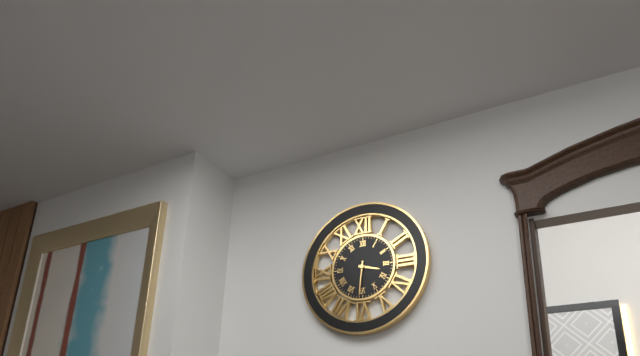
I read h=3 m=31
